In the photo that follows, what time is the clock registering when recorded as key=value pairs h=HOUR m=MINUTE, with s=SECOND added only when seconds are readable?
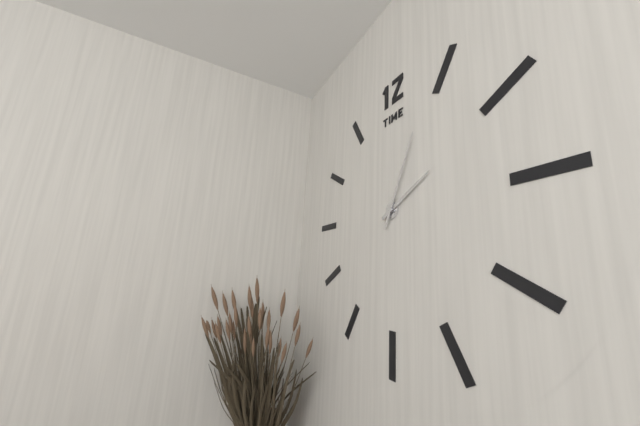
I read h=2 m=4
